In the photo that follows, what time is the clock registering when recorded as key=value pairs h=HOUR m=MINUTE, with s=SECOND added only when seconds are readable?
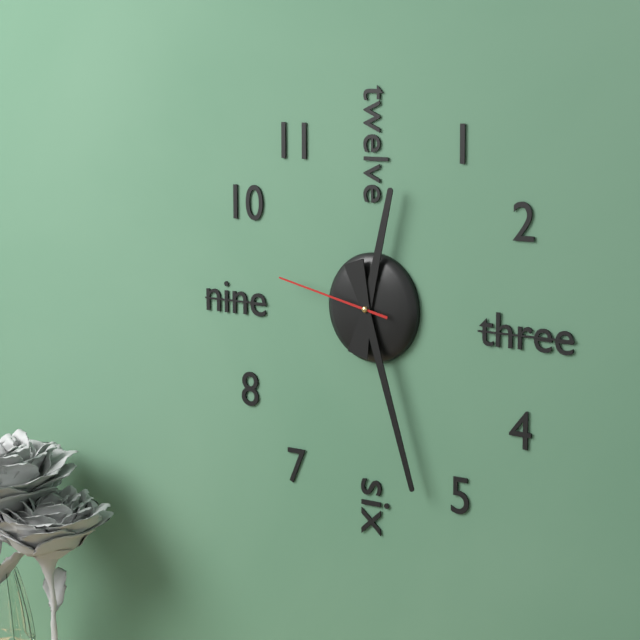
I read h=12 m=27 s=47
